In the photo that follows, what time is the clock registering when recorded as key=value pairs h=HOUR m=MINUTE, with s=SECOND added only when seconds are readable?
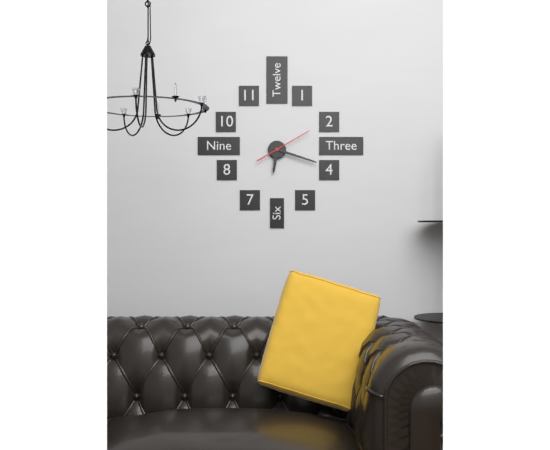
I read h=6 m=18
